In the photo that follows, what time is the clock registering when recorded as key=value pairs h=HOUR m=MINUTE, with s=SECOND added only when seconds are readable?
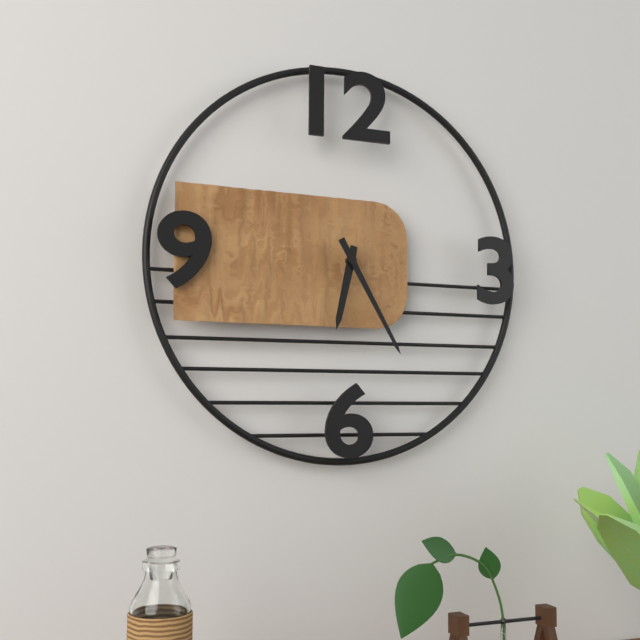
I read h=6 m=25
